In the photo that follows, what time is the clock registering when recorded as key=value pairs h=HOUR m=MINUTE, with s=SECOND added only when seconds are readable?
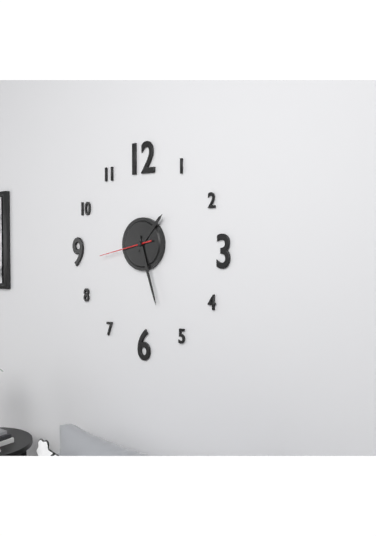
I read h=1 m=27 s=43
